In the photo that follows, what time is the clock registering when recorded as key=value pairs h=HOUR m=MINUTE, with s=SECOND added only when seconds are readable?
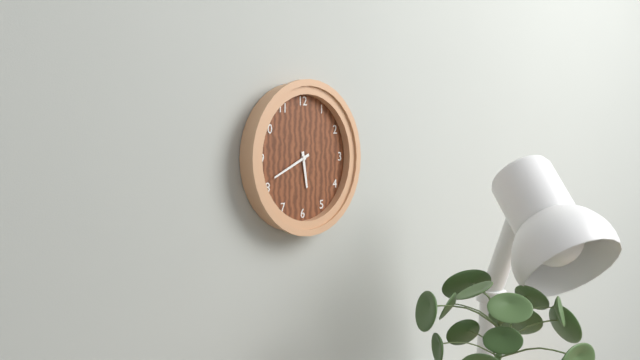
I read h=5 m=41
